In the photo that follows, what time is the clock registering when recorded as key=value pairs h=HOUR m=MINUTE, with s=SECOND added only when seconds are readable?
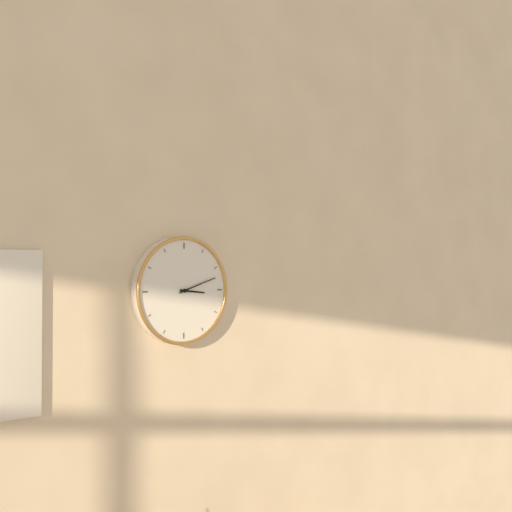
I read h=3 m=12
